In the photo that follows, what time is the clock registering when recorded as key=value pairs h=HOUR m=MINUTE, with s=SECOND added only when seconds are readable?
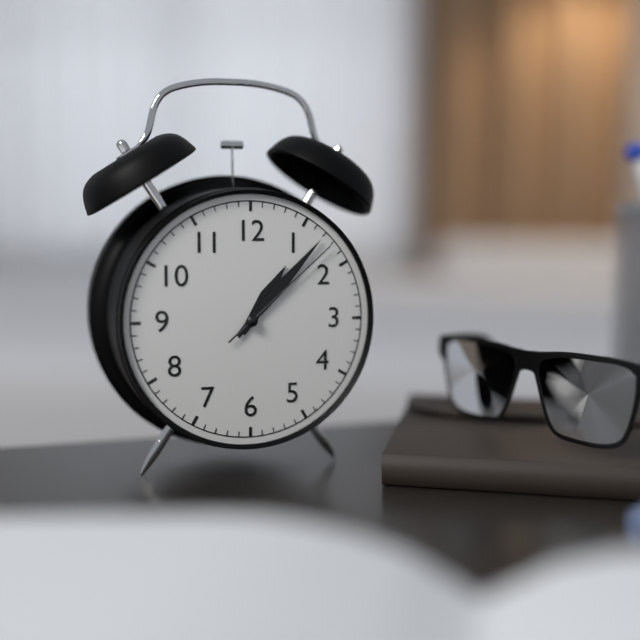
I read h=1 m=7 s=8
